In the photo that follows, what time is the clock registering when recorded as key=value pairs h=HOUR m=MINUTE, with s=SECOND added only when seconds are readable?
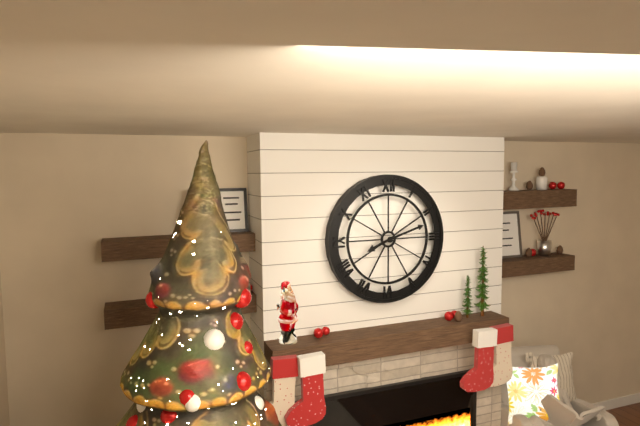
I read h=8 m=12
